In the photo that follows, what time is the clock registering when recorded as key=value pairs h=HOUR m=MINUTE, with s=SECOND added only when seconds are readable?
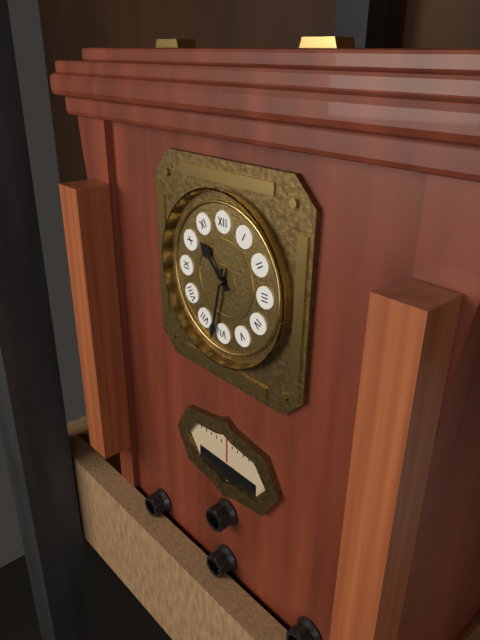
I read h=10 m=32
